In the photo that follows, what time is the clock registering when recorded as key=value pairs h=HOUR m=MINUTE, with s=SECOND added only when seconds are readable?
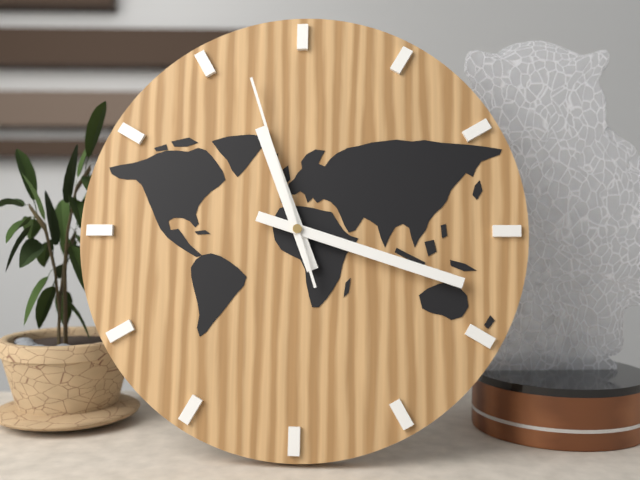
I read h=11 m=18 s=57
